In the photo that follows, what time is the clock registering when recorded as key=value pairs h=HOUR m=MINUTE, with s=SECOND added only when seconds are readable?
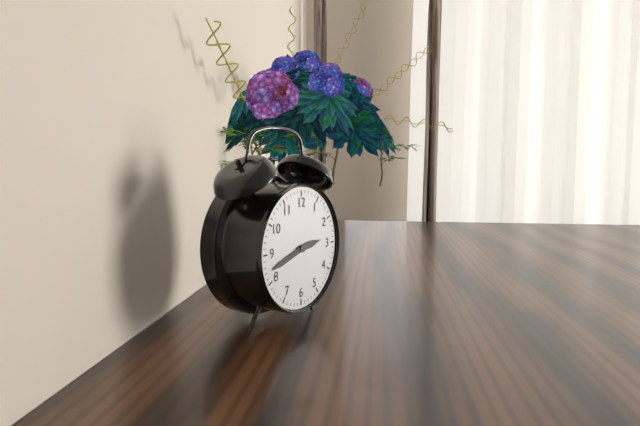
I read h=2 m=42
